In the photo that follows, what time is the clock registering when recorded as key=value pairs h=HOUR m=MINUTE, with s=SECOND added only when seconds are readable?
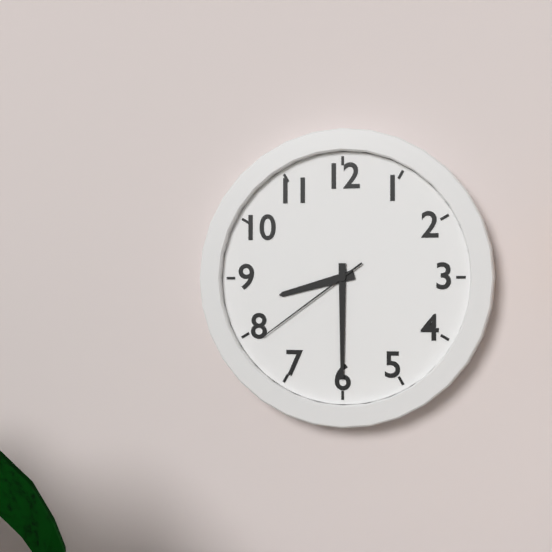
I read h=8 m=30 s=39
